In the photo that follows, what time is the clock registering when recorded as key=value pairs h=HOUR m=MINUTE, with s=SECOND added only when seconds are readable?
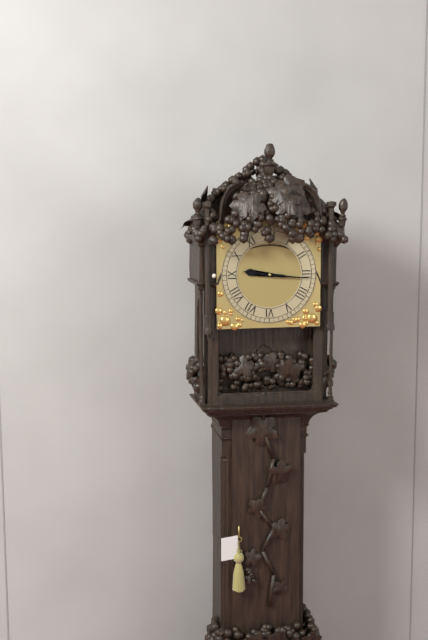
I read h=9 m=16
